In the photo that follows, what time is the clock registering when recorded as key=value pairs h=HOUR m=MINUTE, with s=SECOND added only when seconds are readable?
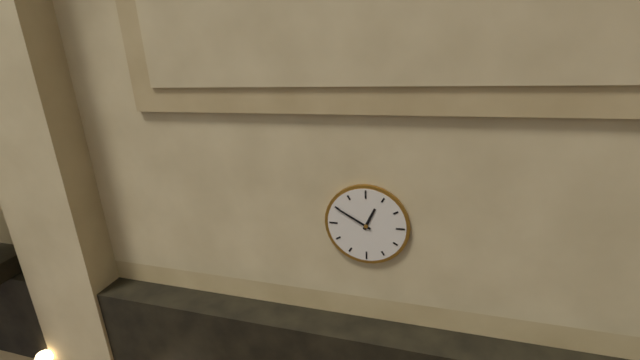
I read h=12 m=50
